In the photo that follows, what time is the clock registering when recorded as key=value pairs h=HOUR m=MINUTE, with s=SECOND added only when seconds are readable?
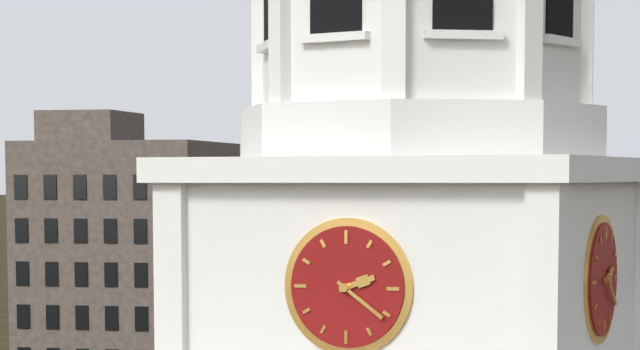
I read h=2 m=21
